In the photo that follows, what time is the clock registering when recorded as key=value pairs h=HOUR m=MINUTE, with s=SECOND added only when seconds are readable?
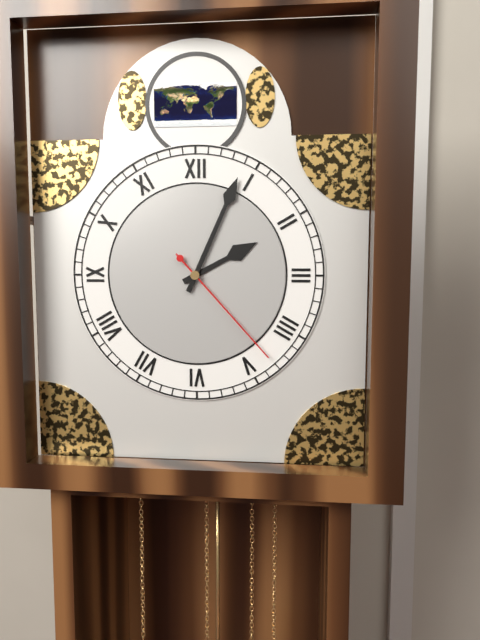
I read h=2 m=4 s=23
